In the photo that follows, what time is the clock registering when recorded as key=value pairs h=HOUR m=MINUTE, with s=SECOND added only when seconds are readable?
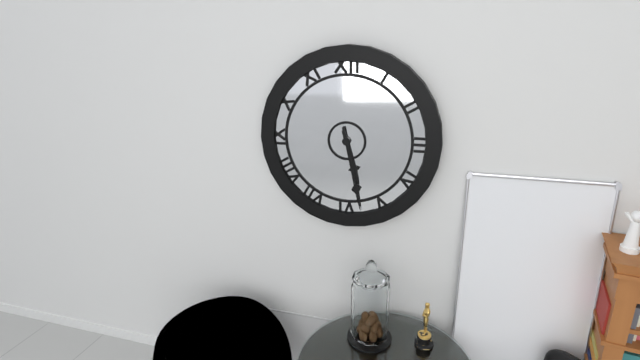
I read h=5 m=28
